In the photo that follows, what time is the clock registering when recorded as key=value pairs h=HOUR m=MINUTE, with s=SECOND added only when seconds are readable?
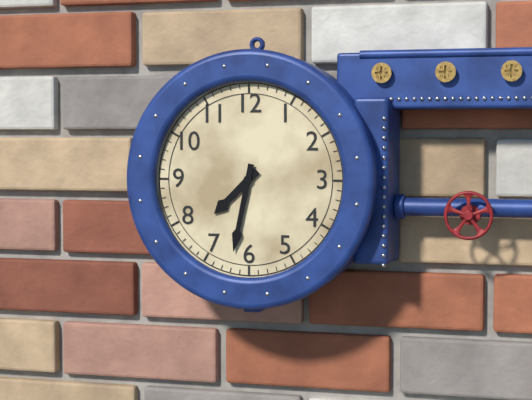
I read h=7 m=32
